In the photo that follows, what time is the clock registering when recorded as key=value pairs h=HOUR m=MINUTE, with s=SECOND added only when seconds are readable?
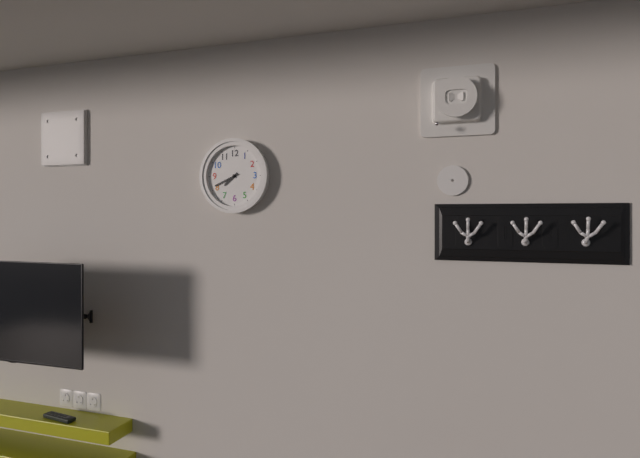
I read h=7 m=41
